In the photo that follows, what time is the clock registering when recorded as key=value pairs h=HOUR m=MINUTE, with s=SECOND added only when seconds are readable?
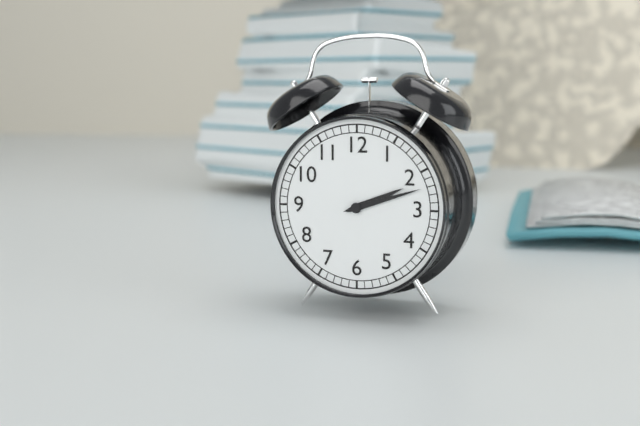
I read h=2 m=12
